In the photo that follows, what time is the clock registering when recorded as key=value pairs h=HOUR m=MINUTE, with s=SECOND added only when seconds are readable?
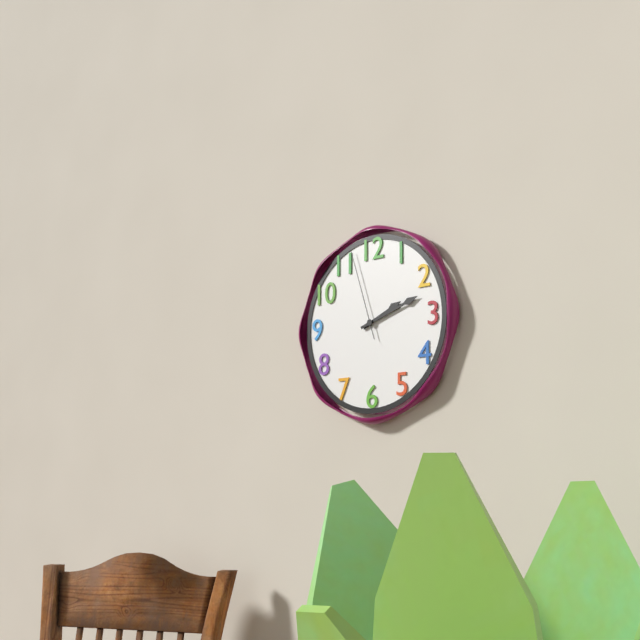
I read h=2 m=12 s=57
